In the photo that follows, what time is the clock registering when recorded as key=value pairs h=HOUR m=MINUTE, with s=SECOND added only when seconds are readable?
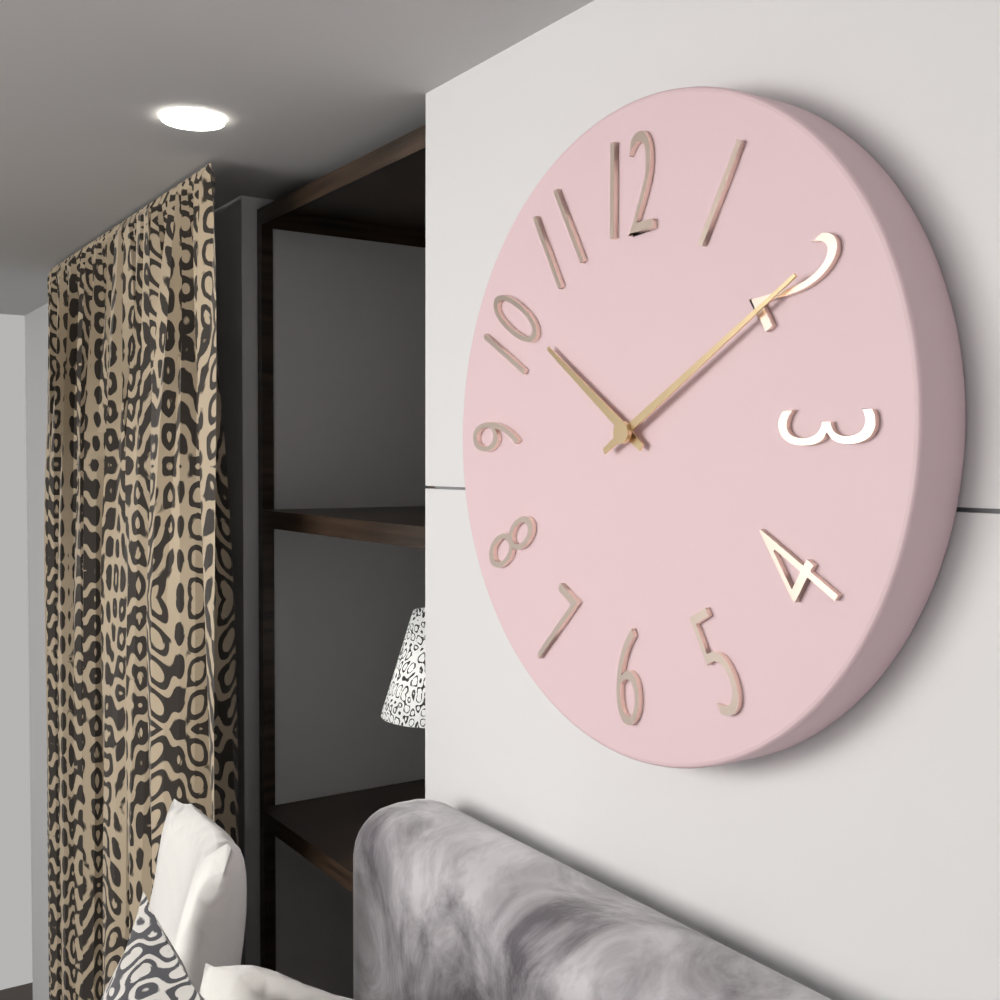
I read h=10 m=10
